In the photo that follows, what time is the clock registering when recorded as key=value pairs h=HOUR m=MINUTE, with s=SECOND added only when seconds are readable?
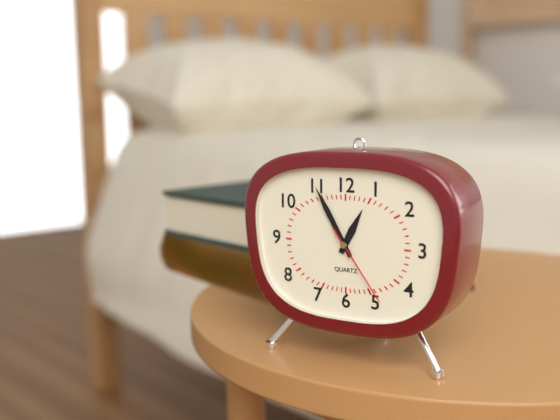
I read h=12 m=55 s=24
